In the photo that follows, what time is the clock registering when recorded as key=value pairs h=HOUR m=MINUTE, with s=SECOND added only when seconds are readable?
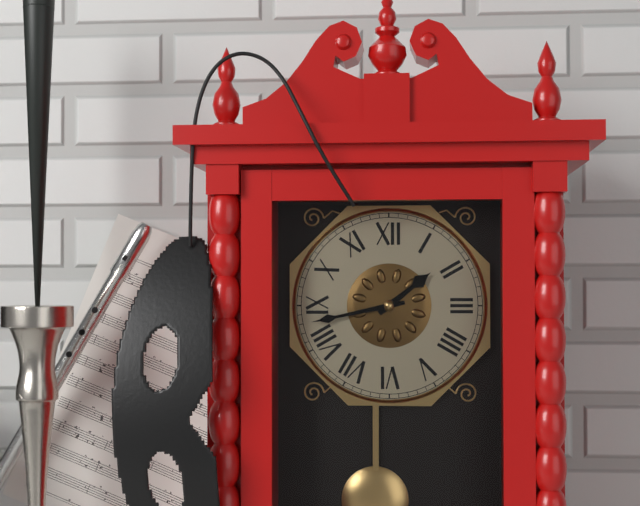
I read h=1 m=43
